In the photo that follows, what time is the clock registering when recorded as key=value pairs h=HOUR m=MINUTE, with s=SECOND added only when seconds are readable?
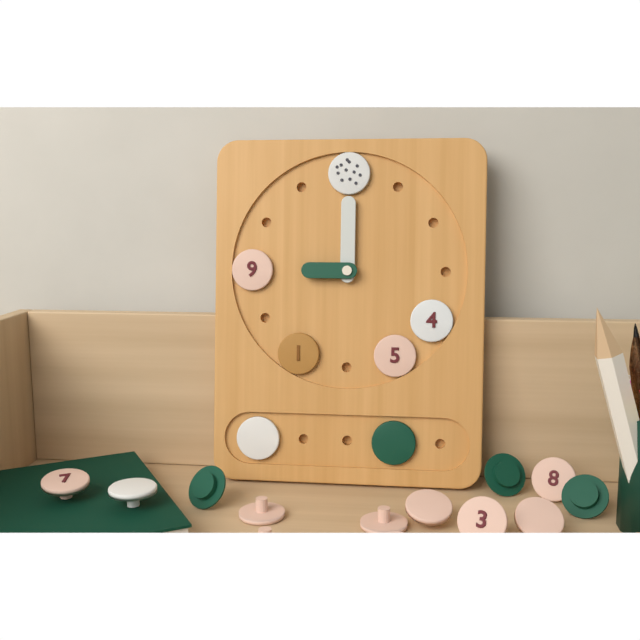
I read h=9 m=0
